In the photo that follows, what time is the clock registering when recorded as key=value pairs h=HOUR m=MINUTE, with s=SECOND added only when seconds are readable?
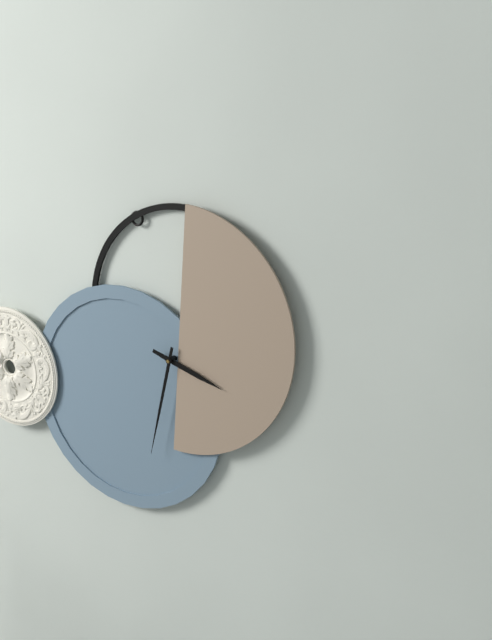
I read h=3 m=32
